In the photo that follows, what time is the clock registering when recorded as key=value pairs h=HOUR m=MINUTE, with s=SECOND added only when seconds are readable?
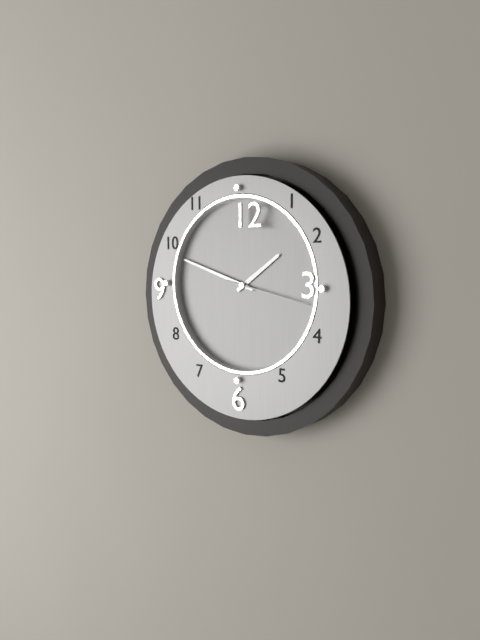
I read h=1 m=48 s=17
